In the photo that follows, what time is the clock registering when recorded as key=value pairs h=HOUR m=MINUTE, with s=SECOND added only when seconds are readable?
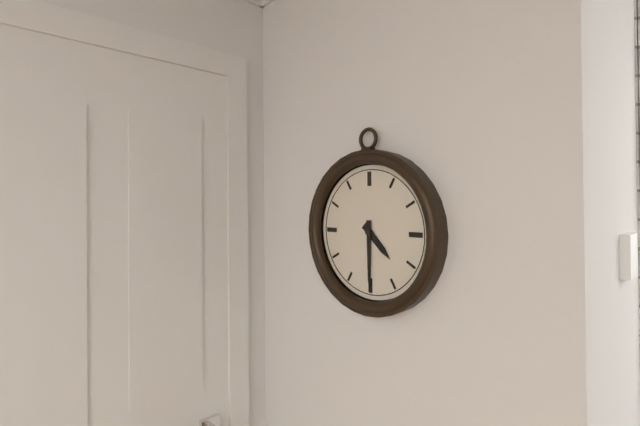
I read h=4 m=30
